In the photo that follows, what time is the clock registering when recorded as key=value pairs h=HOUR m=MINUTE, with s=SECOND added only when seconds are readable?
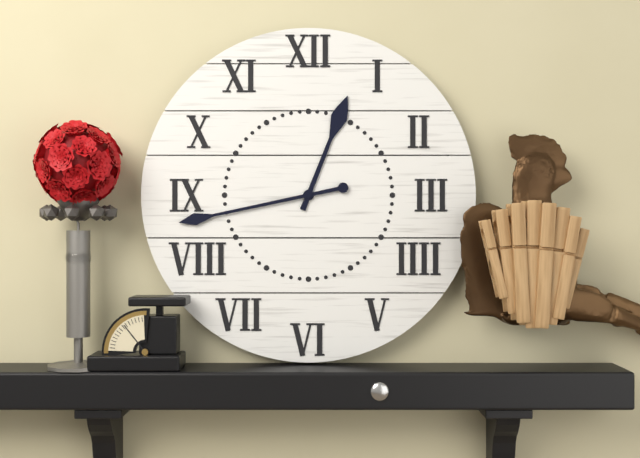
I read h=12 m=43
